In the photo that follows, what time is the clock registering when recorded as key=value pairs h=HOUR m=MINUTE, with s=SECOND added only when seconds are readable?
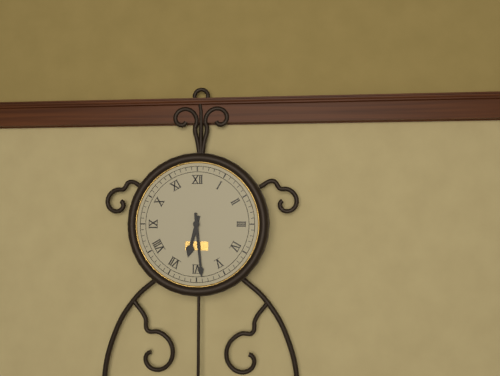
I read h=6 m=29
